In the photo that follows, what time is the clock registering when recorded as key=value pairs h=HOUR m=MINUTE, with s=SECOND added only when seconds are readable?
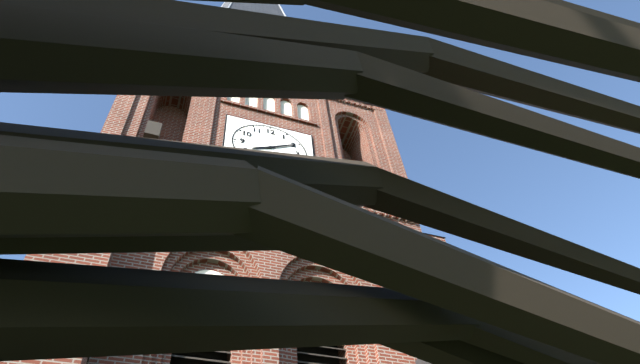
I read h=8 m=10
